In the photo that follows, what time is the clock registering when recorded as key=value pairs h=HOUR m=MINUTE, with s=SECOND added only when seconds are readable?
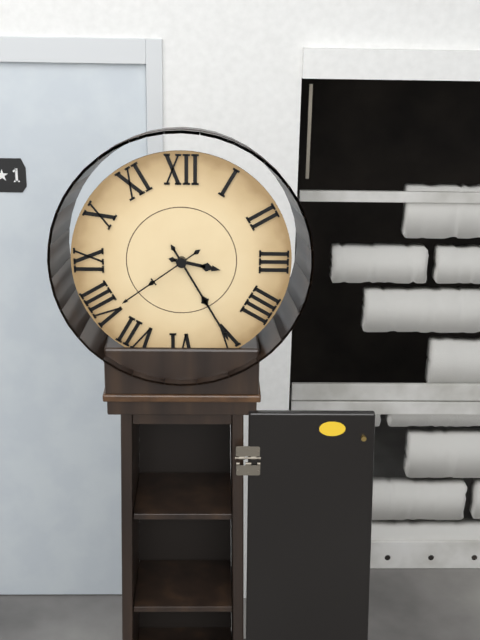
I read h=3 m=25 s=39
